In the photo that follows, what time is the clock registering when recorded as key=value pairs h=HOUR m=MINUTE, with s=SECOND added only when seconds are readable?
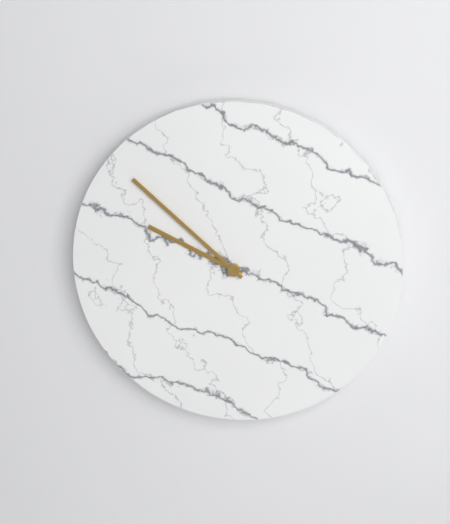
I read h=9 m=52
